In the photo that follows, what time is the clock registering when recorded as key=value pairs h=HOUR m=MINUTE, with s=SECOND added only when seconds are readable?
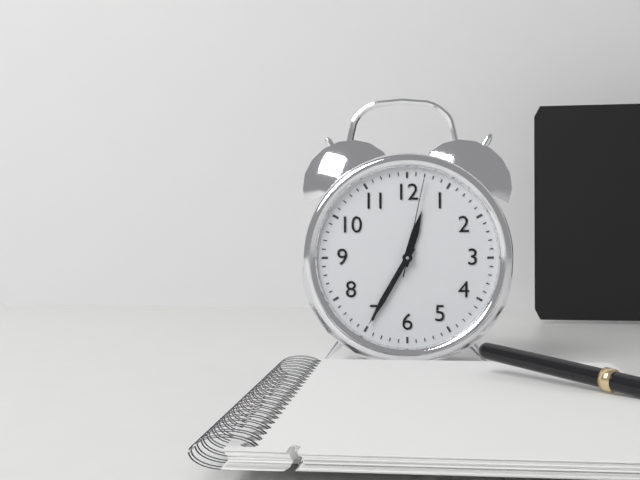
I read h=12 m=35 s=2
